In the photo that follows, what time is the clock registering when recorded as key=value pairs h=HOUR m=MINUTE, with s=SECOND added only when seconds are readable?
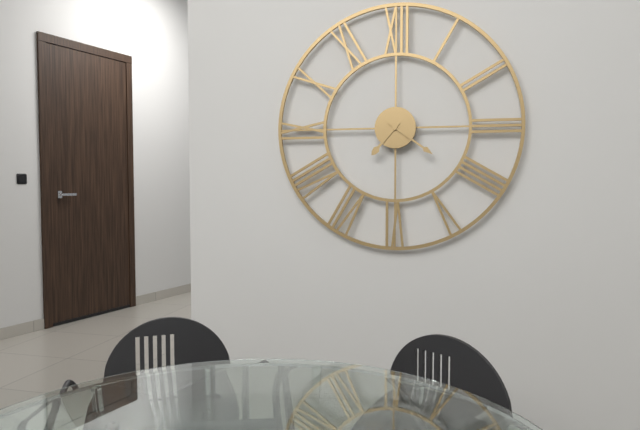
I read h=7 m=21
